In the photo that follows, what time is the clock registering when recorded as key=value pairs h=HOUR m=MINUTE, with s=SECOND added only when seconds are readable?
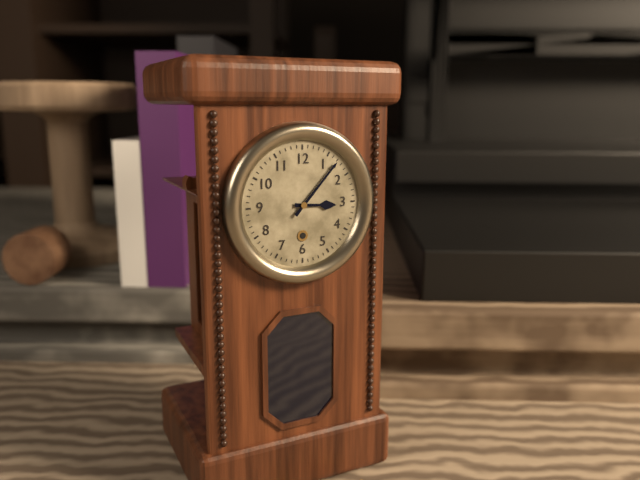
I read h=3 m=7
